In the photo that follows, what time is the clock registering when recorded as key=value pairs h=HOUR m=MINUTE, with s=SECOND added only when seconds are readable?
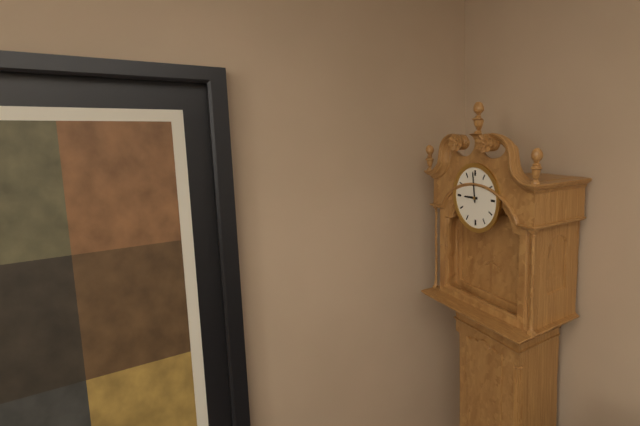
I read h=8 m=59
